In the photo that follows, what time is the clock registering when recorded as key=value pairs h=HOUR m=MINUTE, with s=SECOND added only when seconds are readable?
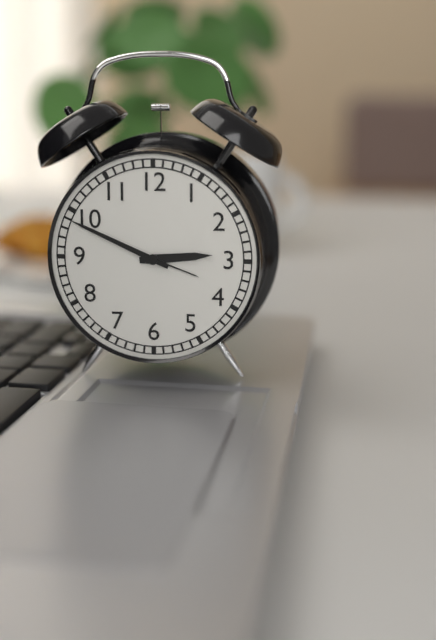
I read h=2 m=49
